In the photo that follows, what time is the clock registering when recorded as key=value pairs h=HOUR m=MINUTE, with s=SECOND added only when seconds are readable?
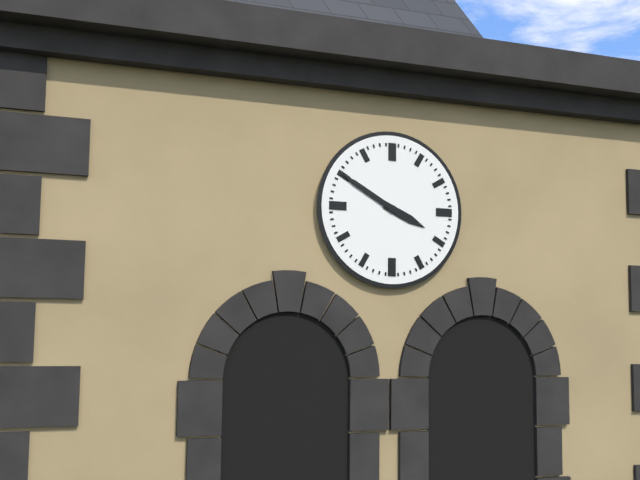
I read h=3 m=50
